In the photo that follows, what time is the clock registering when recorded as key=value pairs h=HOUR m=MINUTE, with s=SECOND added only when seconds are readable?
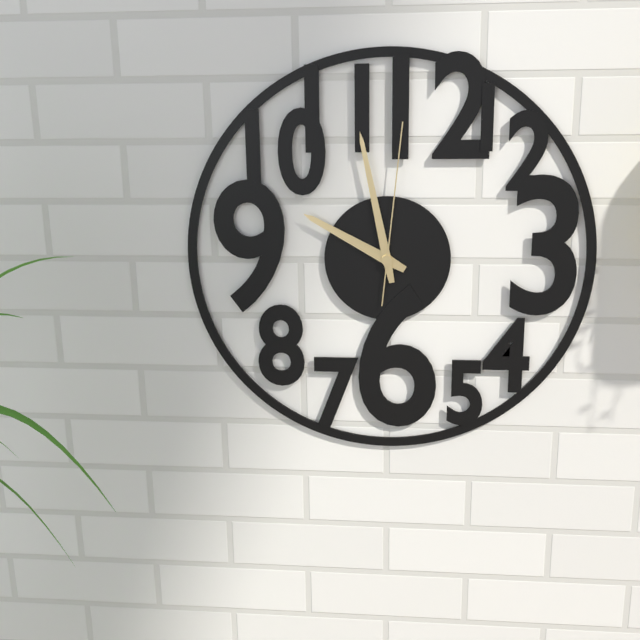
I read h=9 m=58 s=1
